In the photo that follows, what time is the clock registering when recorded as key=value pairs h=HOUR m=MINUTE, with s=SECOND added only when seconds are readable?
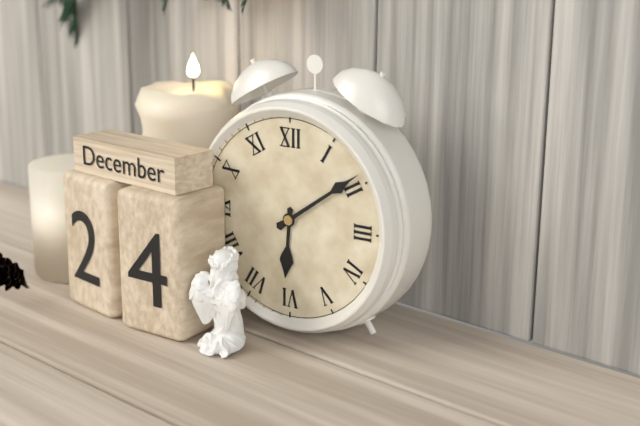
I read h=6 m=9
